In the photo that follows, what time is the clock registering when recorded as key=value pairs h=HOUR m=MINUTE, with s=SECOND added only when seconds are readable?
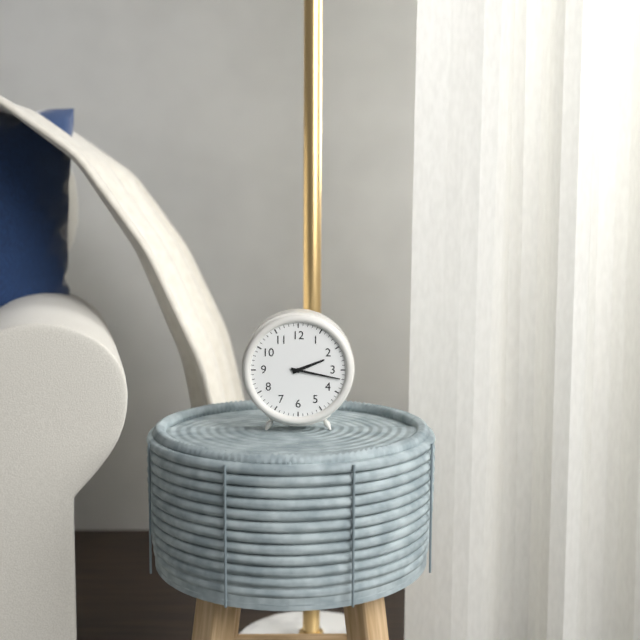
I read h=2 m=17
